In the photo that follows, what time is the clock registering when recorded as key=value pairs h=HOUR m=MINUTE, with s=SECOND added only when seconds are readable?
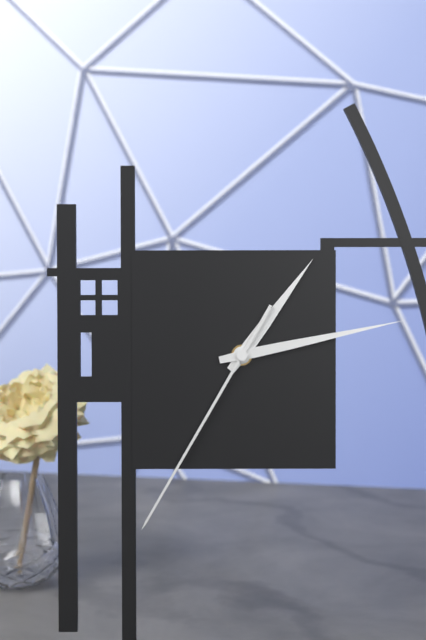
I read h=1 m=13 s=35
